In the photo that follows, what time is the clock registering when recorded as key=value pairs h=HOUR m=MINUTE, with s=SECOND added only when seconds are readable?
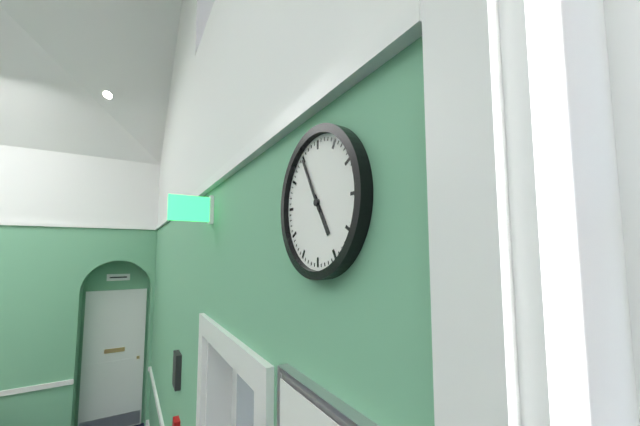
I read h=4 m=55
